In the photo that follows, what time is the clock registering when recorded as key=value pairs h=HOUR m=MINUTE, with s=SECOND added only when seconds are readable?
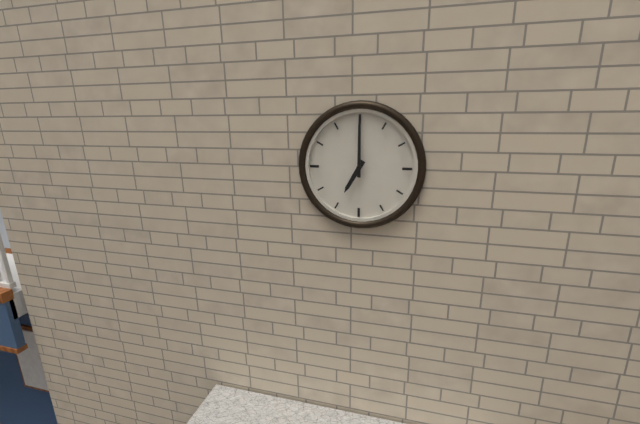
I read h=7 m=0
